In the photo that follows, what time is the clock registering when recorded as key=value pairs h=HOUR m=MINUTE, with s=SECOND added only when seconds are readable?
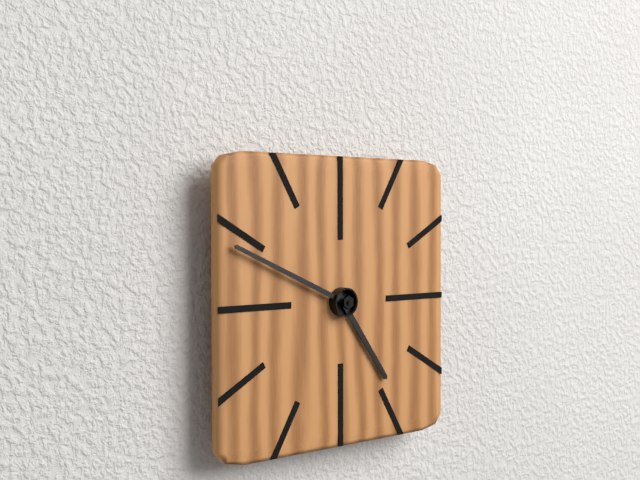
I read h=4 m=49
